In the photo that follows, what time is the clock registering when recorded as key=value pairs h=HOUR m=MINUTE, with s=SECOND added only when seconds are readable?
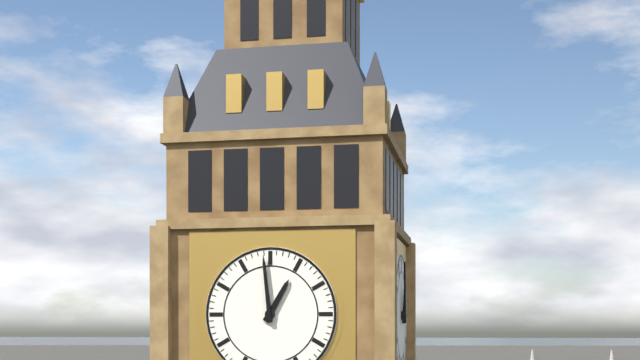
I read h=12 m=59
